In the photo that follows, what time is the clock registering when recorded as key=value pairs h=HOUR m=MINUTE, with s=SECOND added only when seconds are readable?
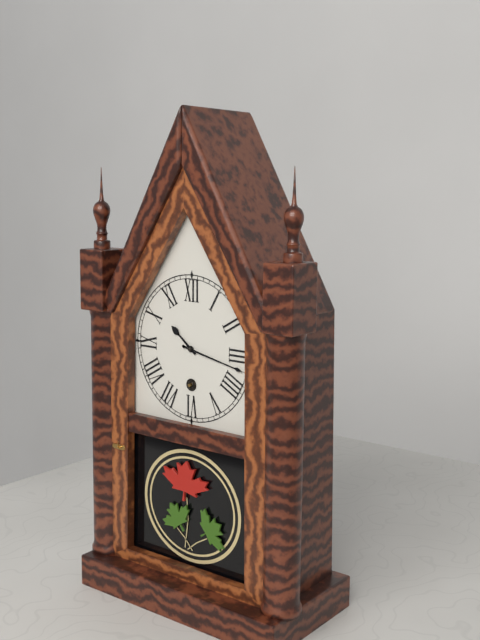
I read h=10 m=17
